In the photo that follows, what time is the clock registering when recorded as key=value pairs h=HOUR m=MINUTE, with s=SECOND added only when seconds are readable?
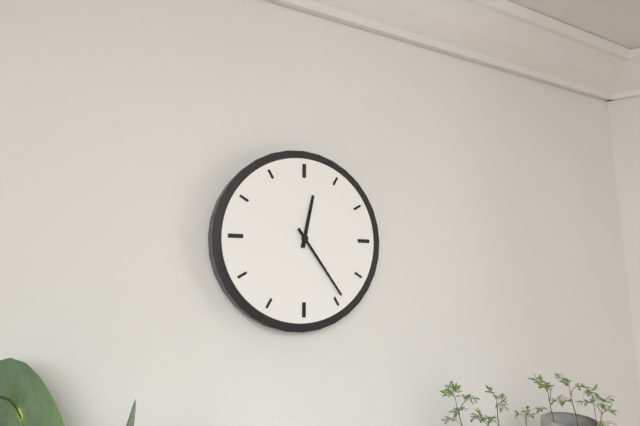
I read h=12 m=24
